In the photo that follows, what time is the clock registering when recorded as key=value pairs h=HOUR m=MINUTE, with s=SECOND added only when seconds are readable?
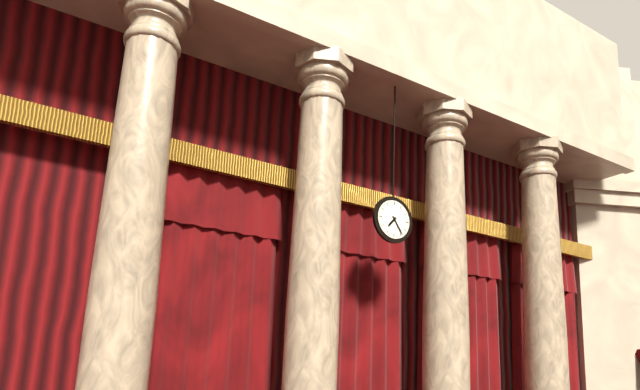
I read h=7 m=24
